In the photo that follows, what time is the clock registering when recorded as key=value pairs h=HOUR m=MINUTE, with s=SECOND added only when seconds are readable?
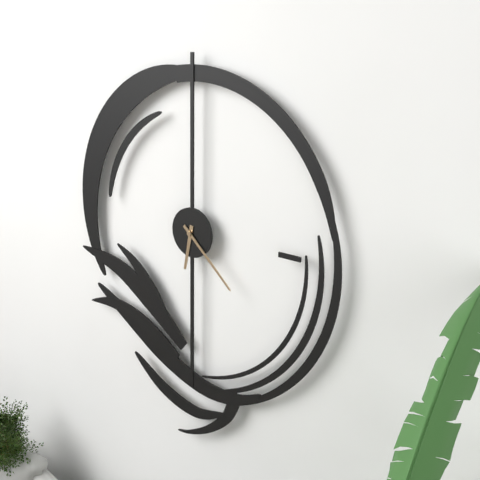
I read h=6 m=22
